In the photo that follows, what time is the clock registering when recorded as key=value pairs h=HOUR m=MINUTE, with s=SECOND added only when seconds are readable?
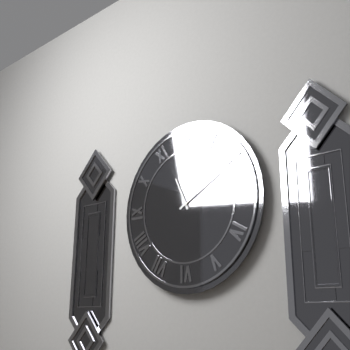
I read h=11 m=10
